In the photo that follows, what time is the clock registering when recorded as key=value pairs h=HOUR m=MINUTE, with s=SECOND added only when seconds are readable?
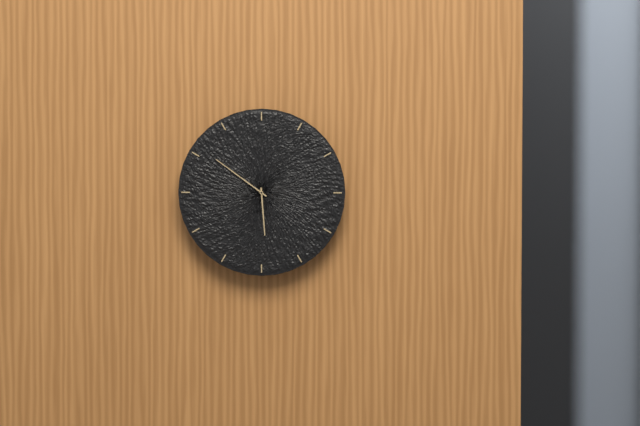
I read h=5 m=51
